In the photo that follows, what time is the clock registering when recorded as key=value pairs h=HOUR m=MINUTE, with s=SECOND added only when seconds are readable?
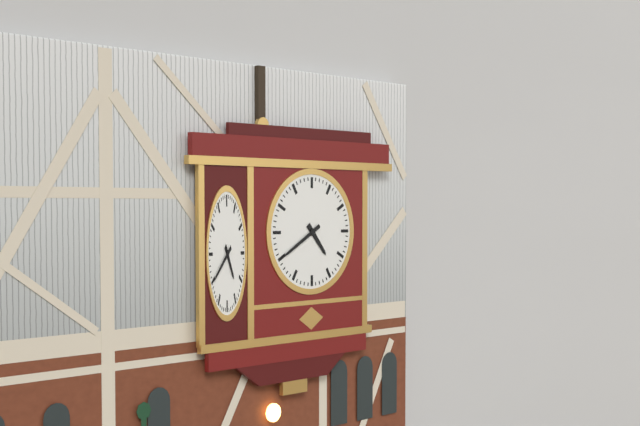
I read h=4 m=40
